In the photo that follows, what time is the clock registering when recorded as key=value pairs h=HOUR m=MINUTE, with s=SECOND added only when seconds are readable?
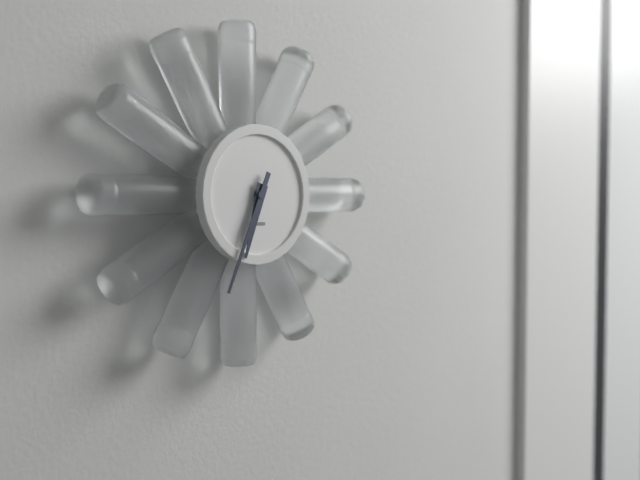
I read h=6 m=34
